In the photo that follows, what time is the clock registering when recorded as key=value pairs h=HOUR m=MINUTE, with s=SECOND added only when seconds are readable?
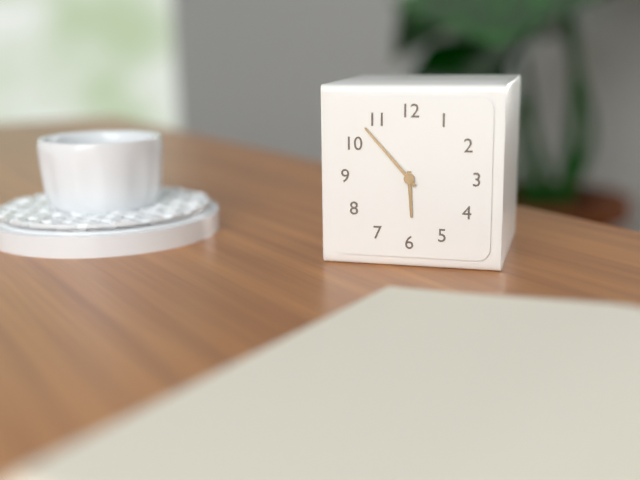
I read h=5 m=53
